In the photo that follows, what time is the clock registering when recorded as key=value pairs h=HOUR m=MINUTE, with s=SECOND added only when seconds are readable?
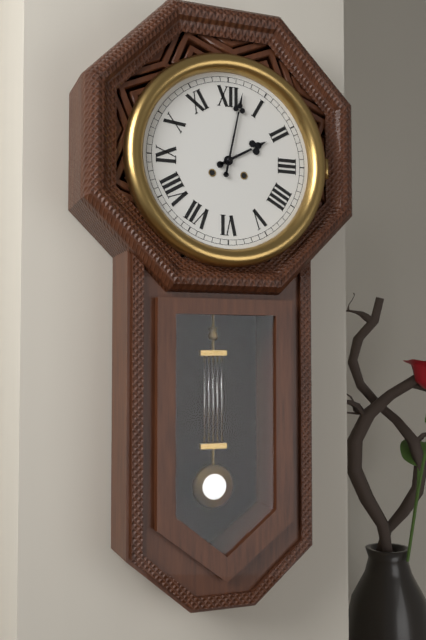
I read h=2 m=2
